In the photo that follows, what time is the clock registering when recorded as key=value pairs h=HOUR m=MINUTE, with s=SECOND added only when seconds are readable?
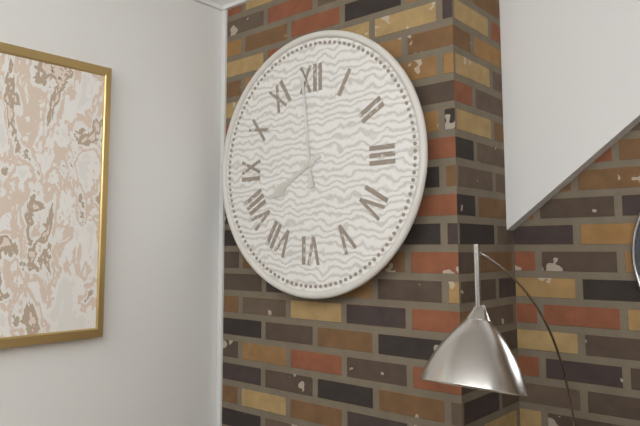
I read h=7 m=59
